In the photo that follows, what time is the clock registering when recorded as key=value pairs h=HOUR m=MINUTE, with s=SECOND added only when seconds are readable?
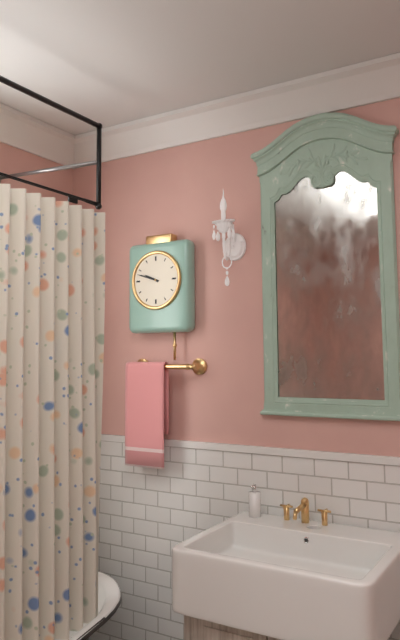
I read h=9 m=48
